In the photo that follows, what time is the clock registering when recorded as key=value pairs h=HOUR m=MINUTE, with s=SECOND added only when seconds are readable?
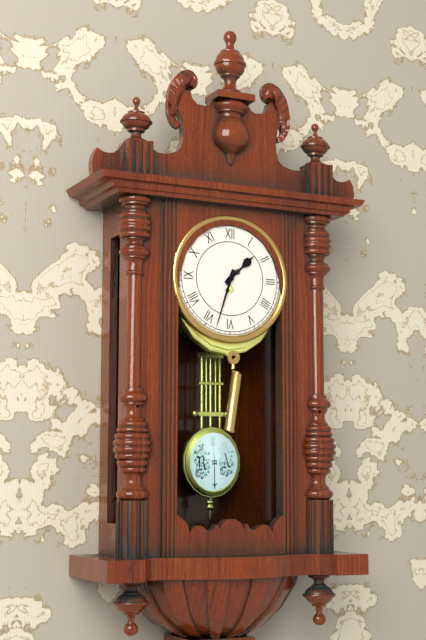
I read h=1 m=33
